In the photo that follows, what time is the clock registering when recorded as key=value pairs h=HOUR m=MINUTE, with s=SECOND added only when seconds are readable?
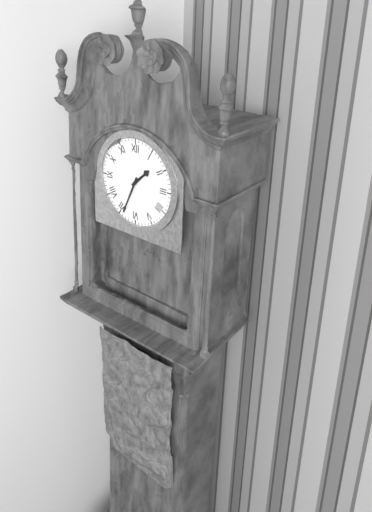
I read h=1 m=34
